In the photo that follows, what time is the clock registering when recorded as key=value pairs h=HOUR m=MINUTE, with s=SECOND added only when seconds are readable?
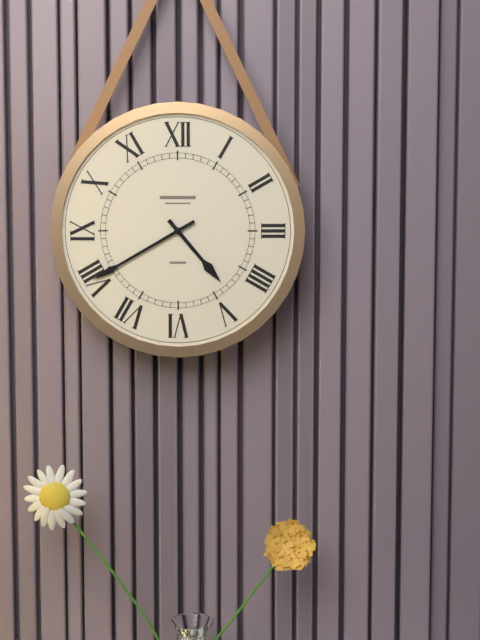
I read h=4 m=40
